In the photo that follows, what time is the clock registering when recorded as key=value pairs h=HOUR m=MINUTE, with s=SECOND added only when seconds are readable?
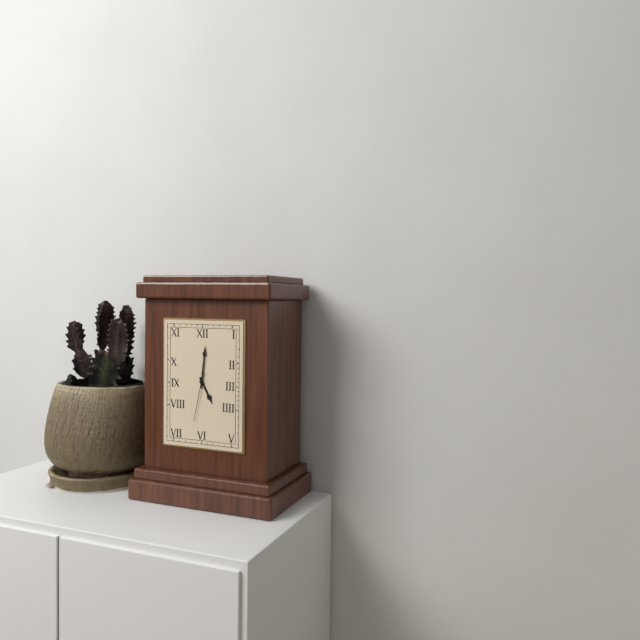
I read h=5 m=1 s=32
